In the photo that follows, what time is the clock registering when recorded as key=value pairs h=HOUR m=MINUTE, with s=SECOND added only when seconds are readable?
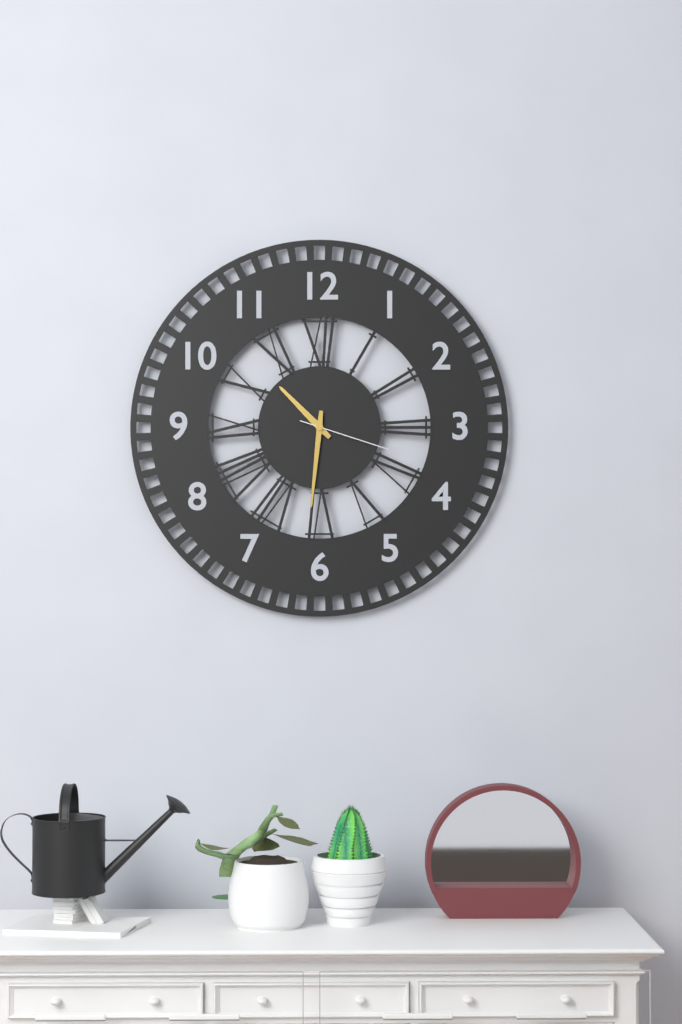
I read h=10 m=31 s=18
